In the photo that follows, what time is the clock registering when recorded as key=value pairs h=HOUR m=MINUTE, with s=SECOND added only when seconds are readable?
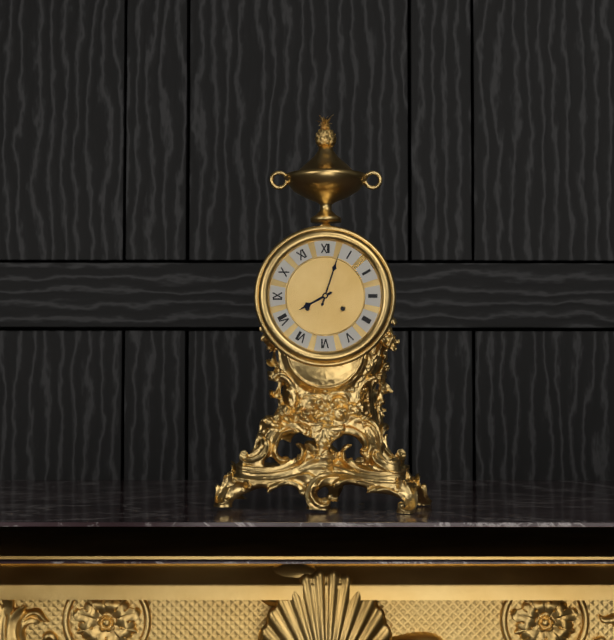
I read h=8 m=3
